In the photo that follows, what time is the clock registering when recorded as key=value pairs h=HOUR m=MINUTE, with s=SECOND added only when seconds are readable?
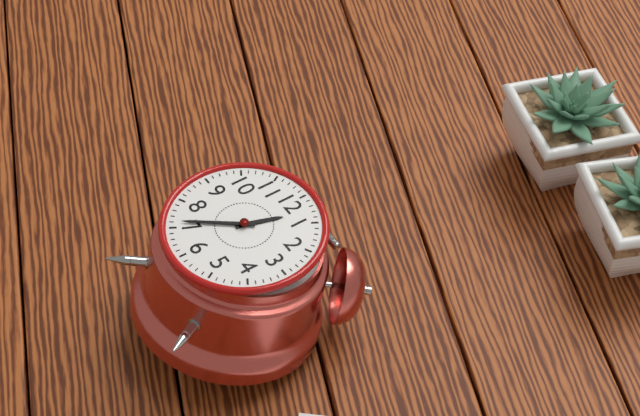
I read h=12 m=36
